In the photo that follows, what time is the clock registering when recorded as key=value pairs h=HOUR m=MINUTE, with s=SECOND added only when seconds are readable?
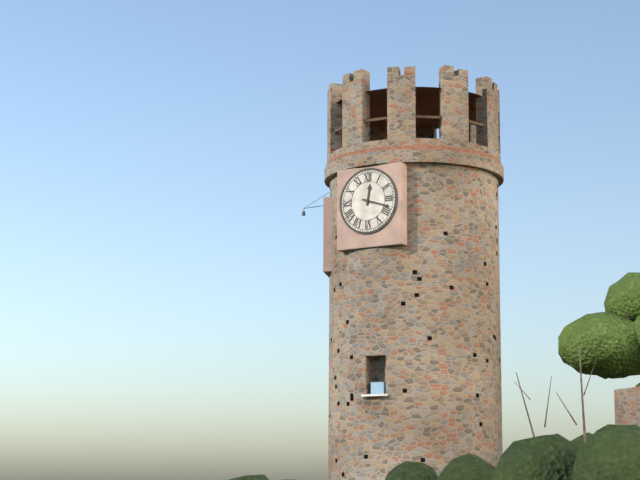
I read h=12 m=18
